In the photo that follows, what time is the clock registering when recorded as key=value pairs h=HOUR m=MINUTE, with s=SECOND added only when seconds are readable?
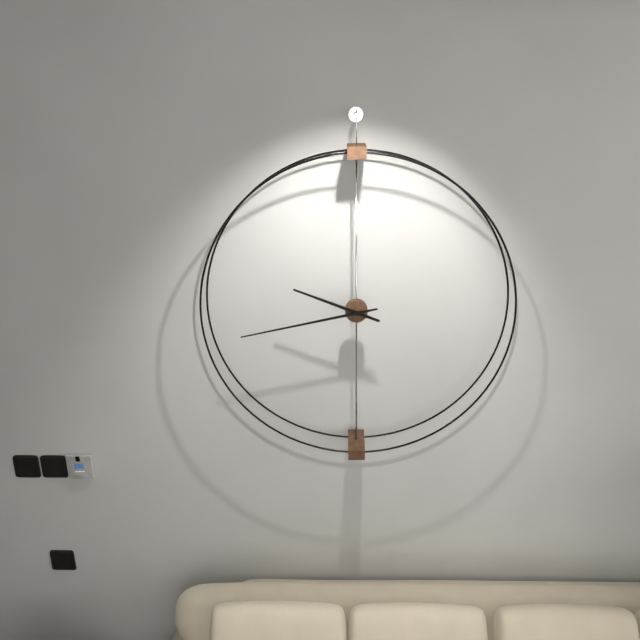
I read h=9 m=43
